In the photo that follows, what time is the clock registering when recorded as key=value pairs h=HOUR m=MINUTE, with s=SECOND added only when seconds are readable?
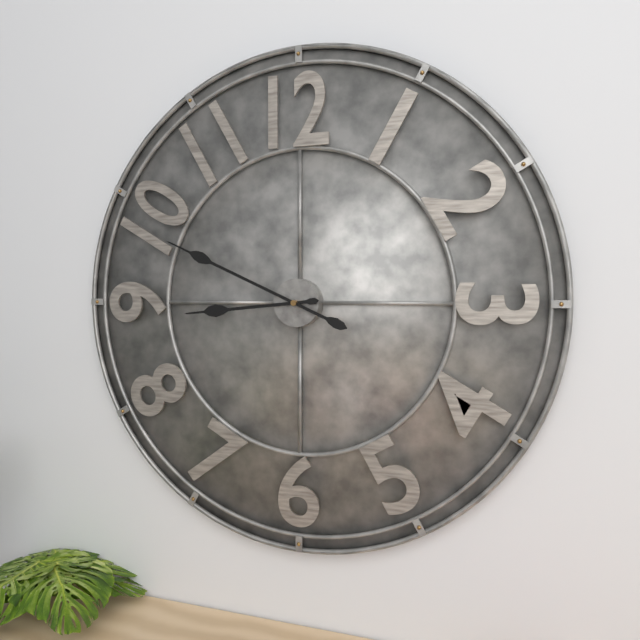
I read h=8 m=49
